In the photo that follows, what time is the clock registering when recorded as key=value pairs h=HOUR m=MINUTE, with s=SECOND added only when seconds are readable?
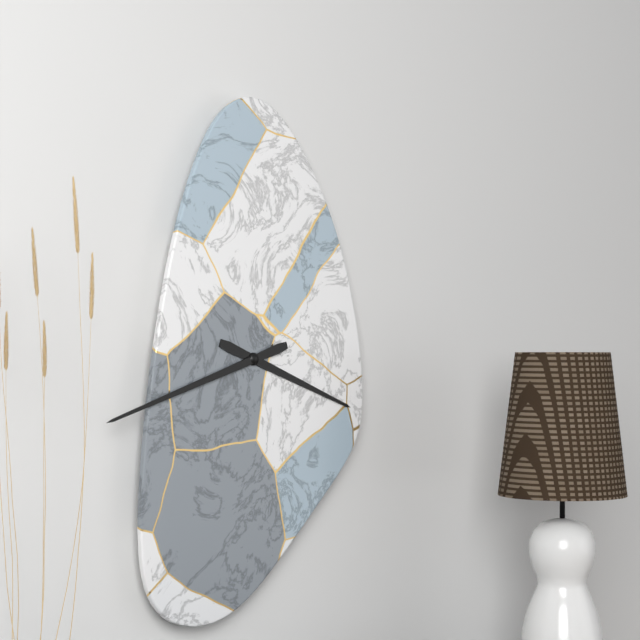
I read h=3 m=42
